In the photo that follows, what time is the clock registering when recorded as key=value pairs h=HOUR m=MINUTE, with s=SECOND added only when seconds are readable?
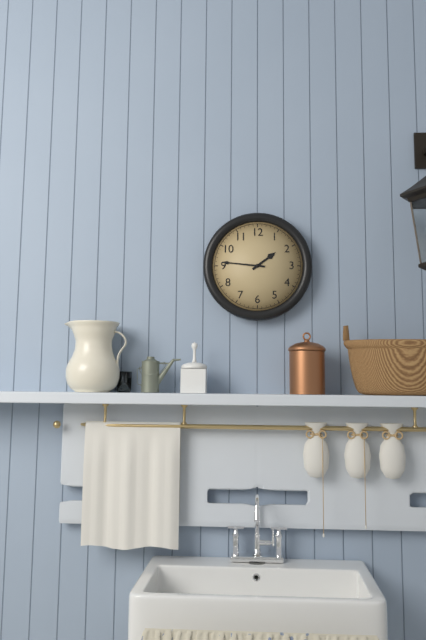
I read h=1 m=46
